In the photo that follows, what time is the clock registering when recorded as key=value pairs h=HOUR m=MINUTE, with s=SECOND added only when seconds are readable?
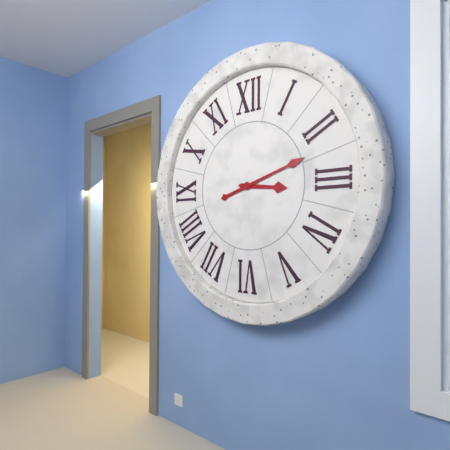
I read h=3 m=12
